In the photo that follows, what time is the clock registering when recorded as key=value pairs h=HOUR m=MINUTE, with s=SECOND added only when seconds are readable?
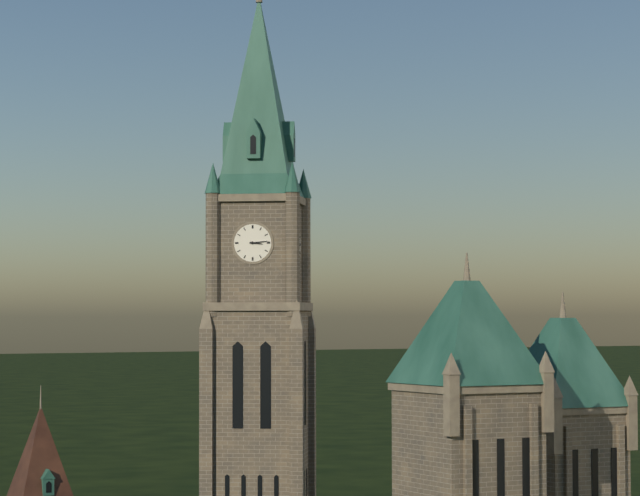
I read h=3 m=14
